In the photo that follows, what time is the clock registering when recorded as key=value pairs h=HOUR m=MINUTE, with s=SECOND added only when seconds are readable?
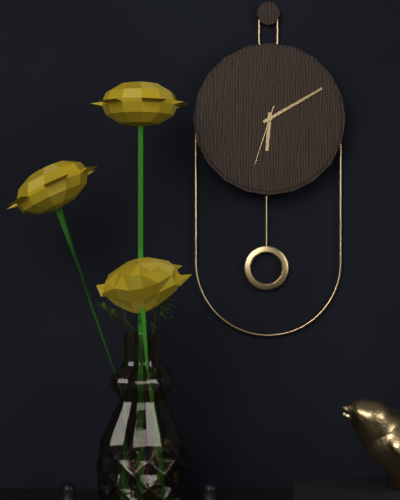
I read h=6 m=10 s=33
